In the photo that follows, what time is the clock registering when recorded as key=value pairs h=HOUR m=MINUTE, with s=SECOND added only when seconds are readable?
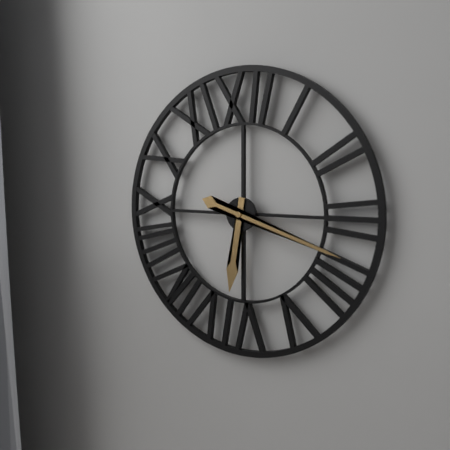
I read h=6 m=18
